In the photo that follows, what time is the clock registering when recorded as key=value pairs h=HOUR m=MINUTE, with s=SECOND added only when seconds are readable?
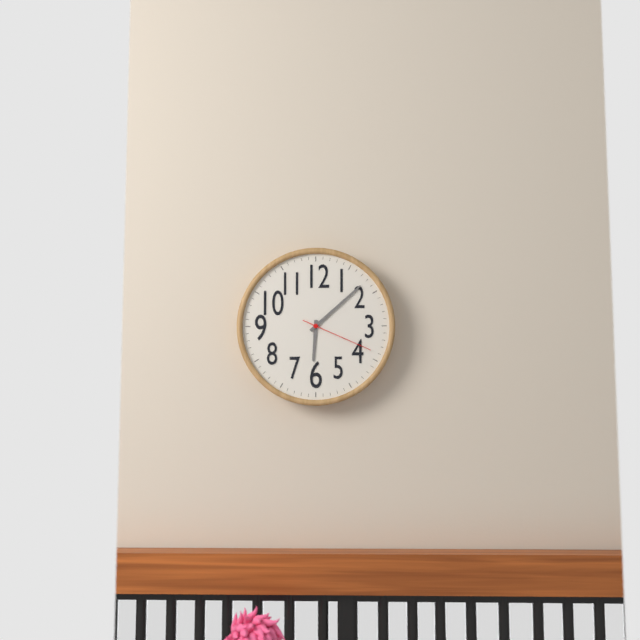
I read h=6 m=8 s=19
